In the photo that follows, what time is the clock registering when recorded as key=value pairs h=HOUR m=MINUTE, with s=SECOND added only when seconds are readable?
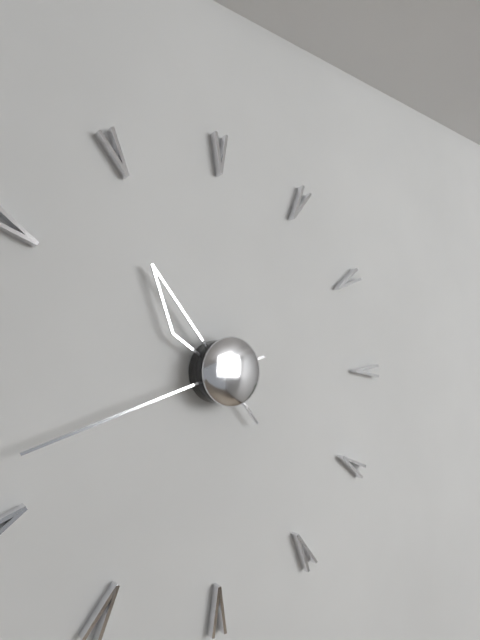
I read h=10 m=42
